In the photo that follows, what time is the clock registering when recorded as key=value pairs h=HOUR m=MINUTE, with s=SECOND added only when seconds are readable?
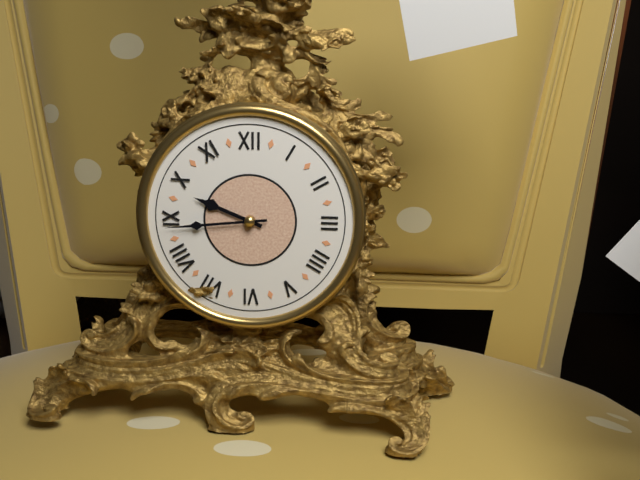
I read h=9 m=44
